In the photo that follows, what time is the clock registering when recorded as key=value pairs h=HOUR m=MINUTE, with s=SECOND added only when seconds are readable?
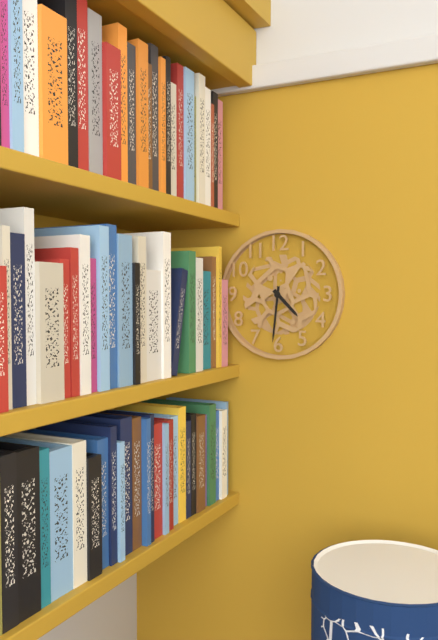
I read h=4 m=31
